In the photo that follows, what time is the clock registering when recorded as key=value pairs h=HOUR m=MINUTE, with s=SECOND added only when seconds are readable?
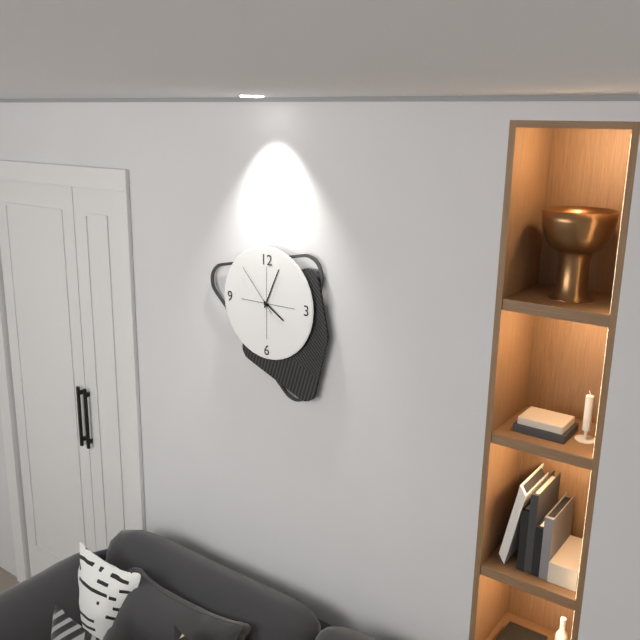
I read h=4 m=4 s=53
